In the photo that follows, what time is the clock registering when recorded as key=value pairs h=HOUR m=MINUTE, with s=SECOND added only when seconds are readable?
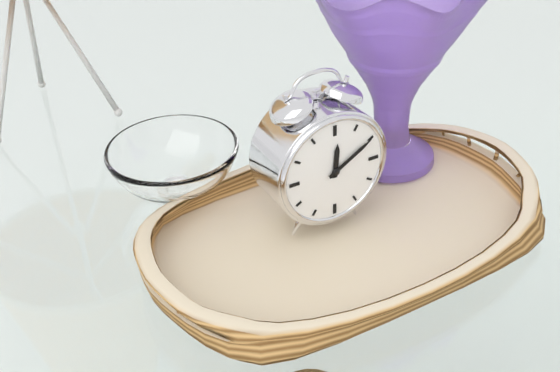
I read h=12 m=10
